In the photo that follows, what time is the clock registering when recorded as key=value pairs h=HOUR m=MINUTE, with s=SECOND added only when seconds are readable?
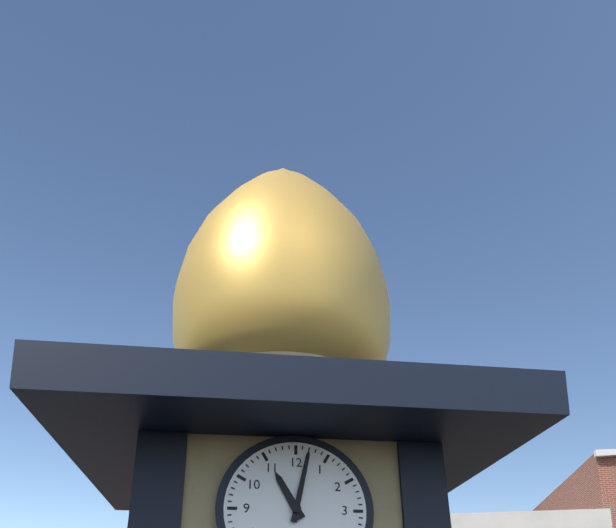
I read h=11 m=2
